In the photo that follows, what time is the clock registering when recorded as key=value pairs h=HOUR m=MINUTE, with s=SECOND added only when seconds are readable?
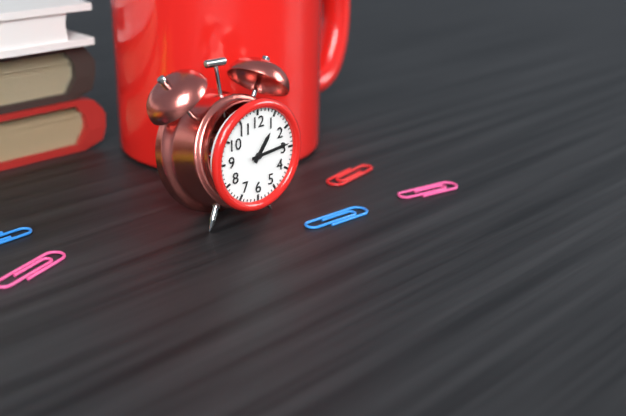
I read h=1 m=14
